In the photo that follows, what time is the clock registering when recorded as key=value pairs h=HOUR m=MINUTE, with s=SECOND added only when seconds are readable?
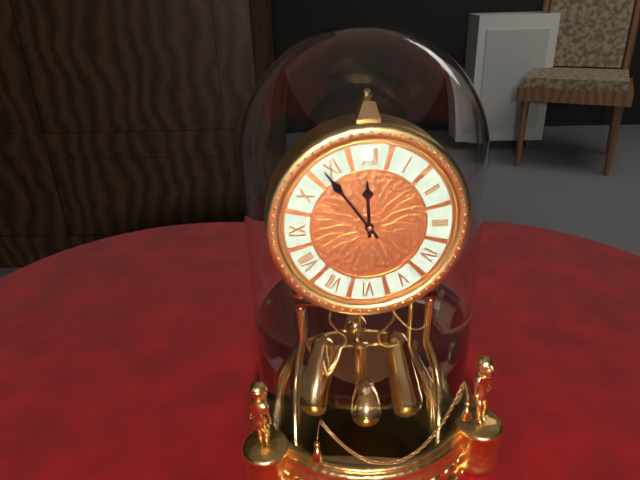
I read h=11 m=54
